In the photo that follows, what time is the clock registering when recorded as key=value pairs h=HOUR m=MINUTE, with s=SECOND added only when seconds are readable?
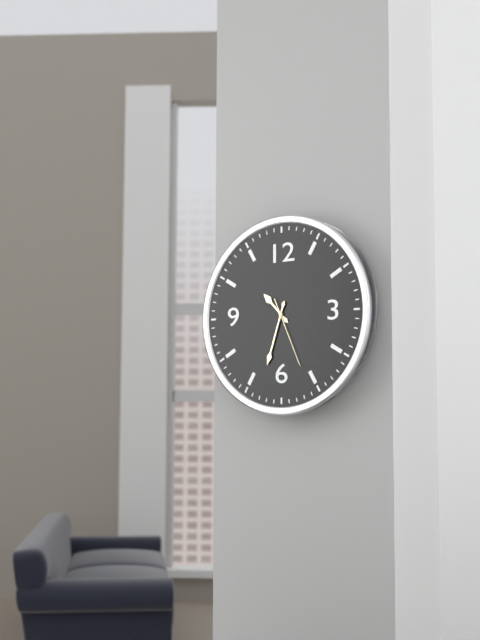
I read h=10 m=33 s=26
